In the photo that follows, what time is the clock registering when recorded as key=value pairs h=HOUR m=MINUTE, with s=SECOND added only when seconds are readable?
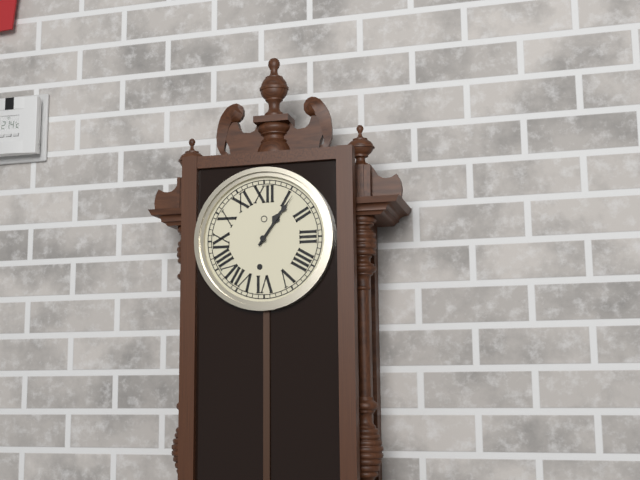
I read h=1 m=6
